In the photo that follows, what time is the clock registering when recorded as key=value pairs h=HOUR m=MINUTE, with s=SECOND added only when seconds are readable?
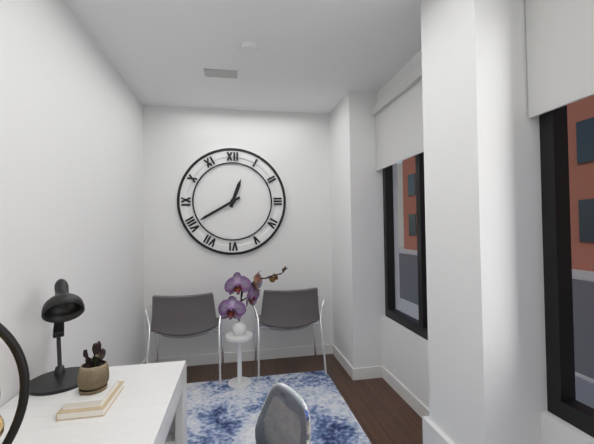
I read h=12 m=40
